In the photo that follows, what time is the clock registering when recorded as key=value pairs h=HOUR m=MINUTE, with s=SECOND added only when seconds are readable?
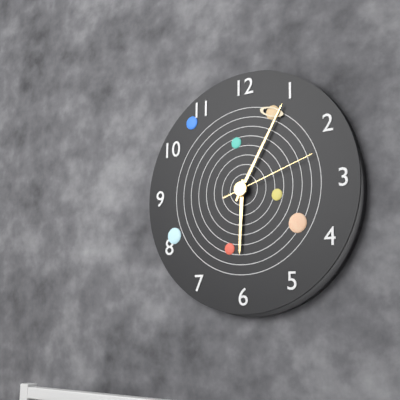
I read h=6 m=5 s=12
